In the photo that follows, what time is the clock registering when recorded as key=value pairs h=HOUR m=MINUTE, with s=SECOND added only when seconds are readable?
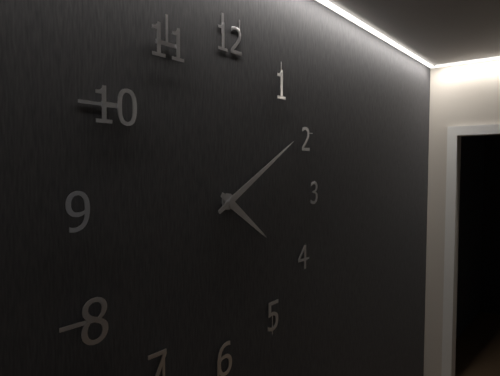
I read h=4 m=10
